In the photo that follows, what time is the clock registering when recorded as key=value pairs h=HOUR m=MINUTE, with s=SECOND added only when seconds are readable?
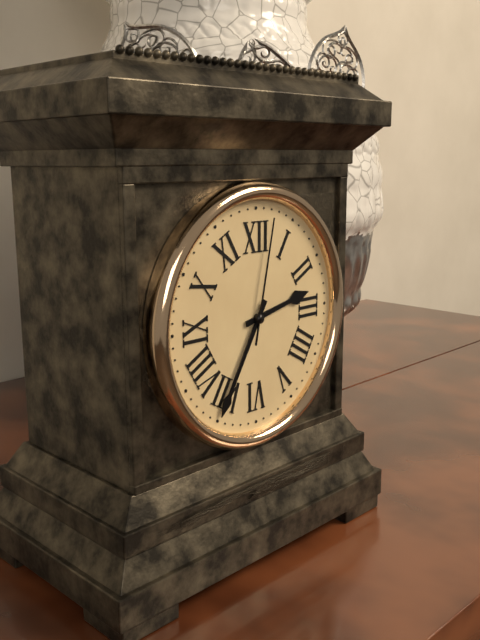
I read h=2 m=35 s=2
